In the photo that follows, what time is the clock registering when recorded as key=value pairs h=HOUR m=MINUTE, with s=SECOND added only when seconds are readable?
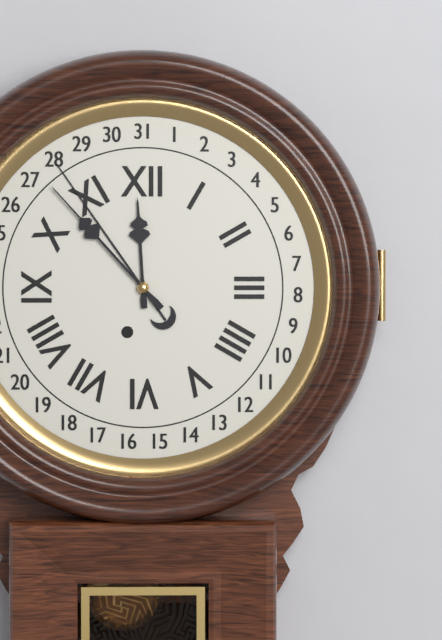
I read h=11 m=53
